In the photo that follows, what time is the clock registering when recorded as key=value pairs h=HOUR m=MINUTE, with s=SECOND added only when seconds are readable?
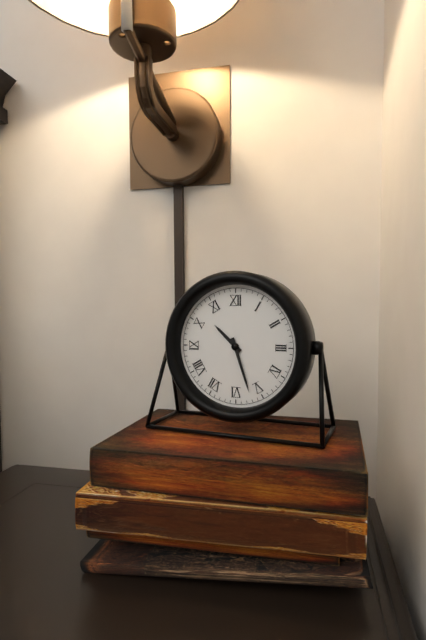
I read h=10 m=27
